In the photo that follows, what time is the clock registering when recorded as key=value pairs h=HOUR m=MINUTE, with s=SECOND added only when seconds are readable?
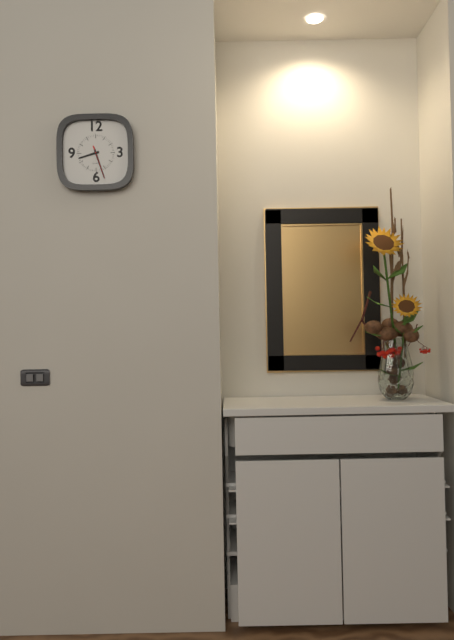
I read h=8 m=27
